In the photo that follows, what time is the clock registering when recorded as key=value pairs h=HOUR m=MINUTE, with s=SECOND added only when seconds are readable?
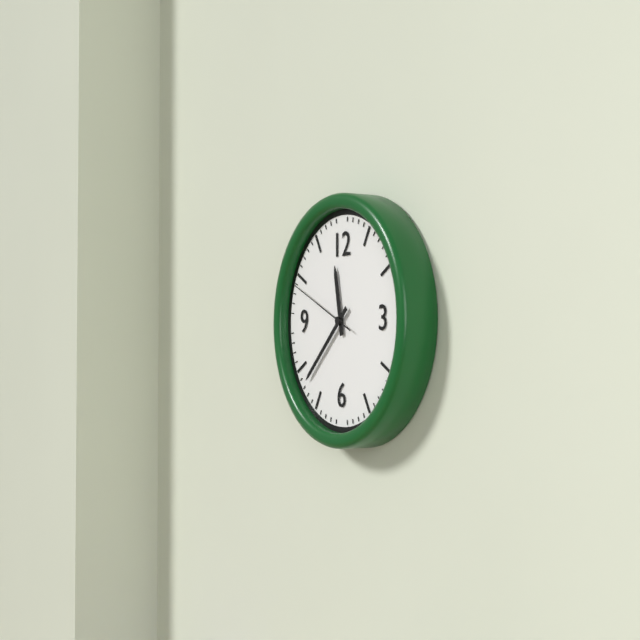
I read h=11 m=38 s=49
